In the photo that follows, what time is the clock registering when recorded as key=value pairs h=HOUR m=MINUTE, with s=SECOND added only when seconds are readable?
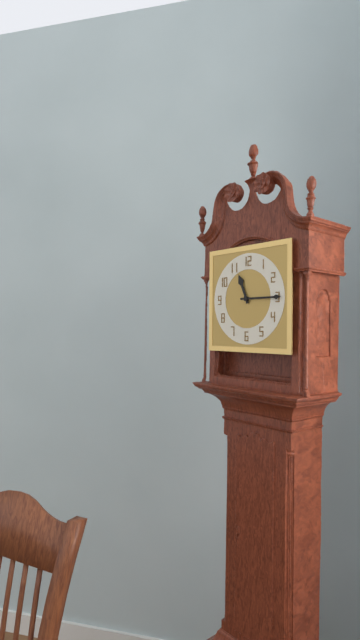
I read h=11 m=15
